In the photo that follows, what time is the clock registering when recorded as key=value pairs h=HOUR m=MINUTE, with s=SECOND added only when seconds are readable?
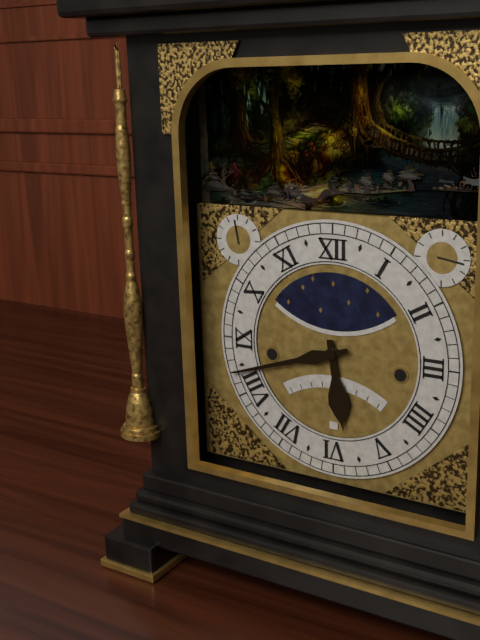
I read h=5 m=42
